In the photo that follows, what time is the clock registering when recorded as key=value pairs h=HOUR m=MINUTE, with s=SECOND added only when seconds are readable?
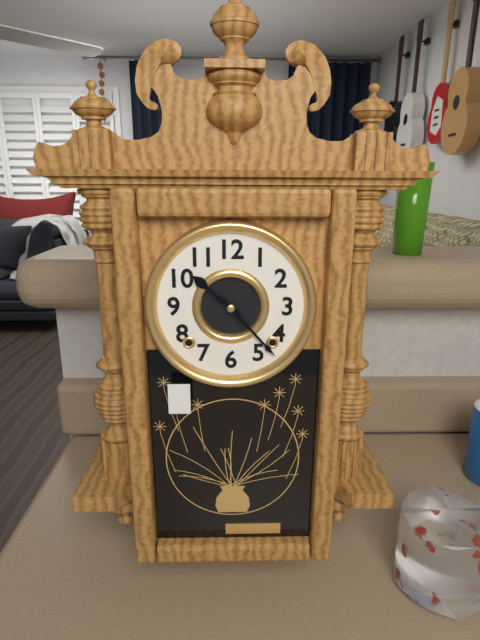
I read h=10 m=23
